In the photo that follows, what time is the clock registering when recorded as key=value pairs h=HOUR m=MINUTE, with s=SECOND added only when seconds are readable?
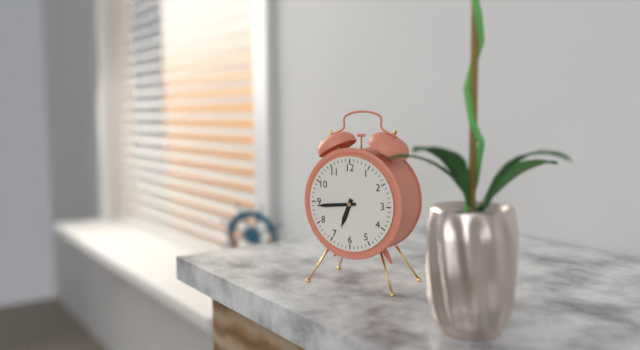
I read h=6 m=44
